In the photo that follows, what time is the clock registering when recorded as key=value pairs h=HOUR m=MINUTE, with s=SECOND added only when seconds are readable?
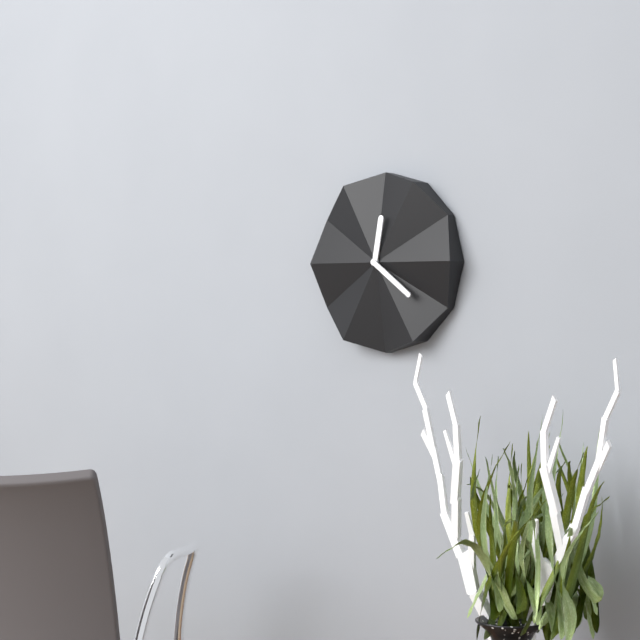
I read h=12 m=21
